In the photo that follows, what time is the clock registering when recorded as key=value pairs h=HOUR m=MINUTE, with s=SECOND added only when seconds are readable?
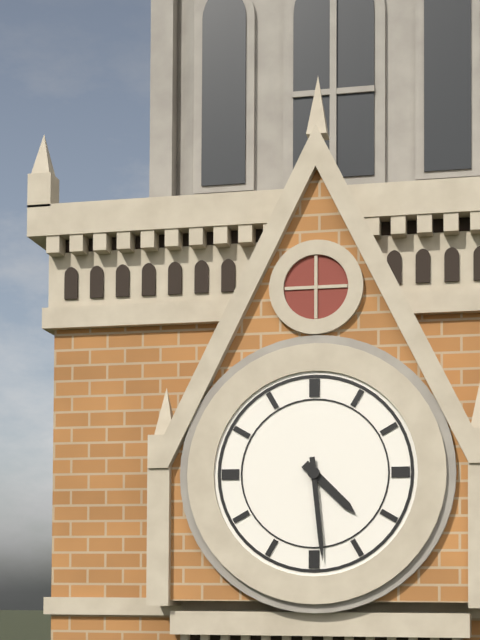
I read h=4 m=29
